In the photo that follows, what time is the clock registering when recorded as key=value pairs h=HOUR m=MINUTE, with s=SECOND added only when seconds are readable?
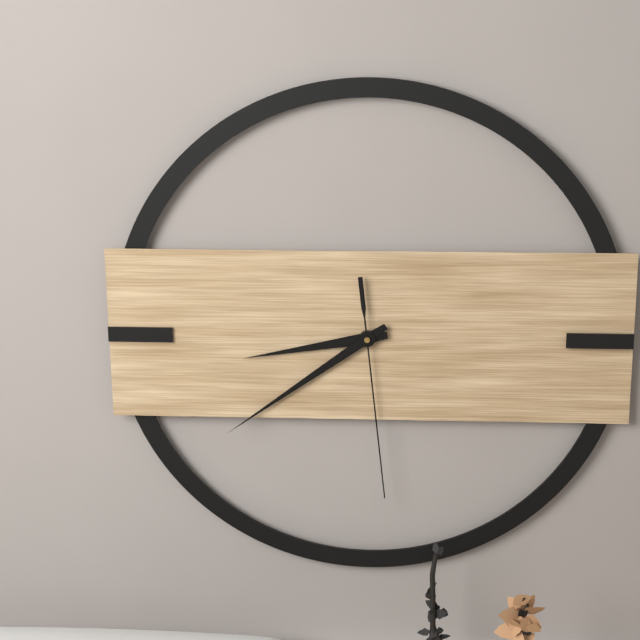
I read h=8 m=39 s=29
